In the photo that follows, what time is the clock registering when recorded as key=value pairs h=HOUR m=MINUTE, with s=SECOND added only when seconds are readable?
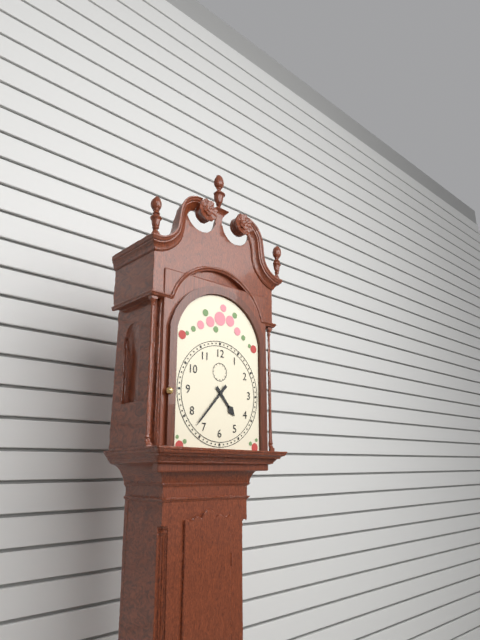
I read h=4 m=37
